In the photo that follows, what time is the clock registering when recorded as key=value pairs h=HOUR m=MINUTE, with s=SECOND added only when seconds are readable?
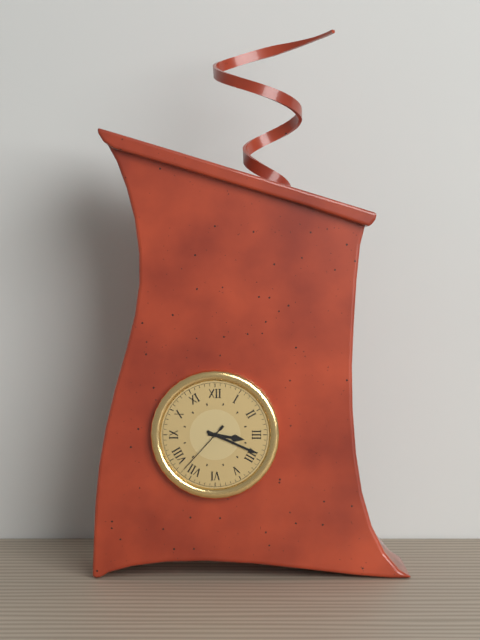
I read h=3 m=19 s=37
